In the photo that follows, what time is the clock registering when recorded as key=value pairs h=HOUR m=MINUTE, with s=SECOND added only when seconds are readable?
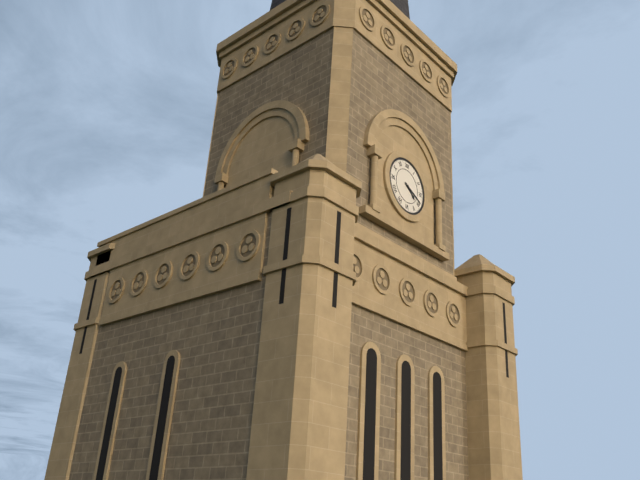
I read h=4 m=19
